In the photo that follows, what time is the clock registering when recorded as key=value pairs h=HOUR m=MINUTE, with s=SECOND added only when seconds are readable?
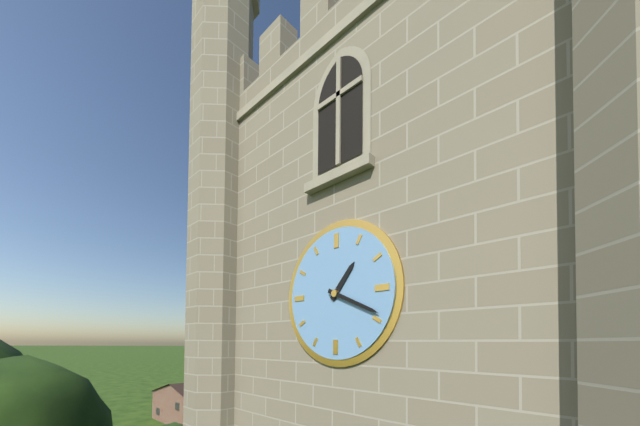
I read h=1 m=19
